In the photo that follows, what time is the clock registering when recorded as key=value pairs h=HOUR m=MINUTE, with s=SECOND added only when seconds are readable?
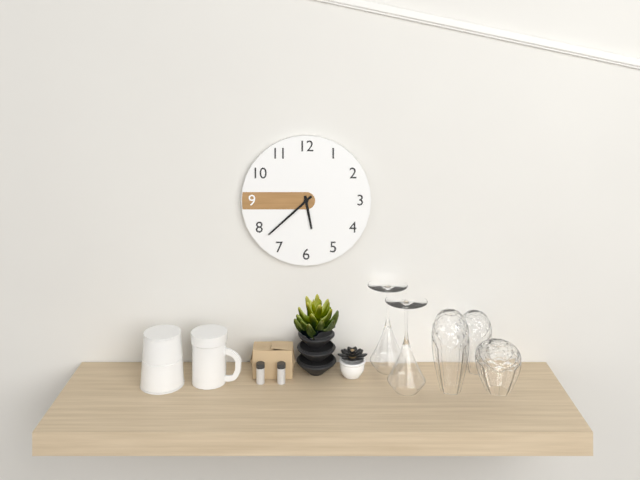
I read h=5 m=38
